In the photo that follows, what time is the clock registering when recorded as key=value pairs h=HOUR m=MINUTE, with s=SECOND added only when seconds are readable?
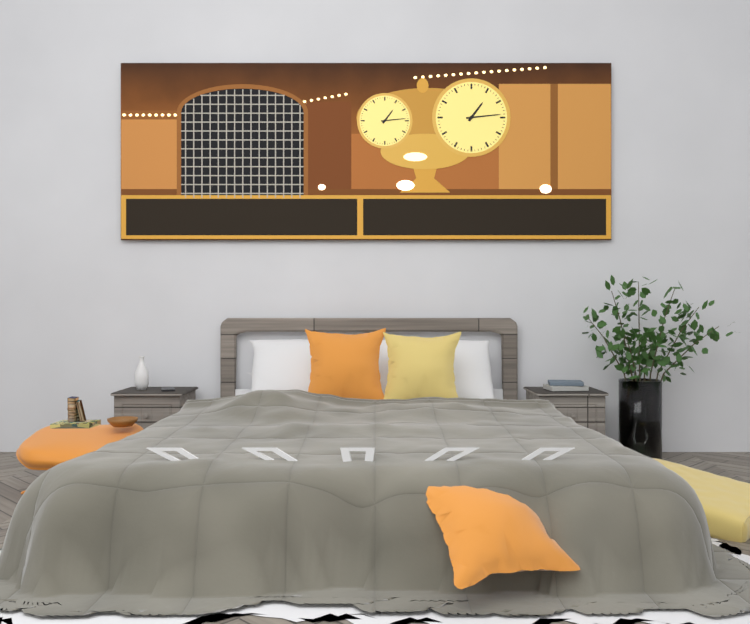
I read h=1 m=14
